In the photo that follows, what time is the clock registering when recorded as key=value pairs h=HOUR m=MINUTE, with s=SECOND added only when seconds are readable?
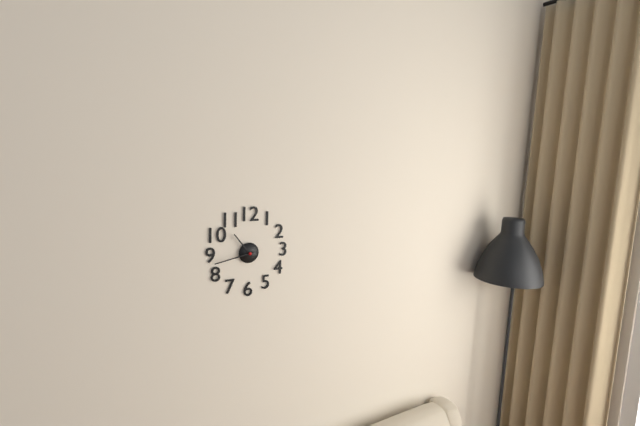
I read h=10 m=43
